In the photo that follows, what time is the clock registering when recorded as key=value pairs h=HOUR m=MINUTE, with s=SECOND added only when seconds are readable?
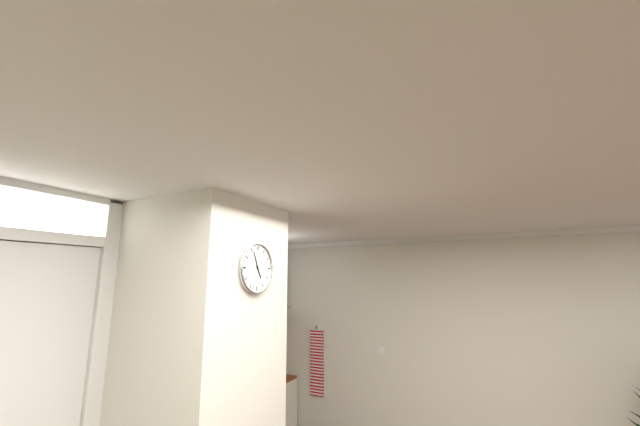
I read h=4 m=56
